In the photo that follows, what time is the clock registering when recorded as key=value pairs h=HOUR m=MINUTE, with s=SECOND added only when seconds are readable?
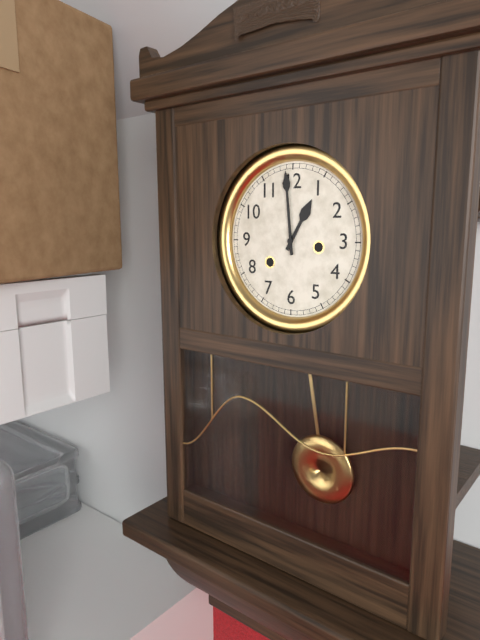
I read h=12 m=59
